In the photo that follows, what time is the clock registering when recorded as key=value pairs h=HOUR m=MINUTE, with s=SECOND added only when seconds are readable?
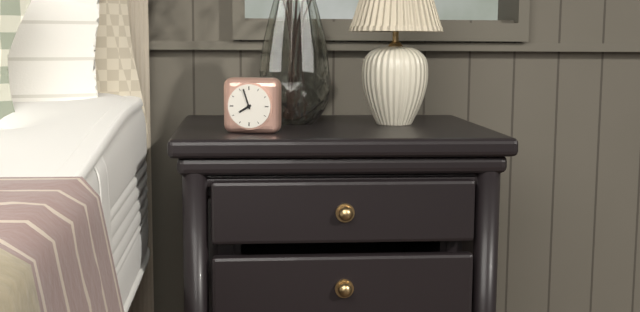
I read h=7 m=57
